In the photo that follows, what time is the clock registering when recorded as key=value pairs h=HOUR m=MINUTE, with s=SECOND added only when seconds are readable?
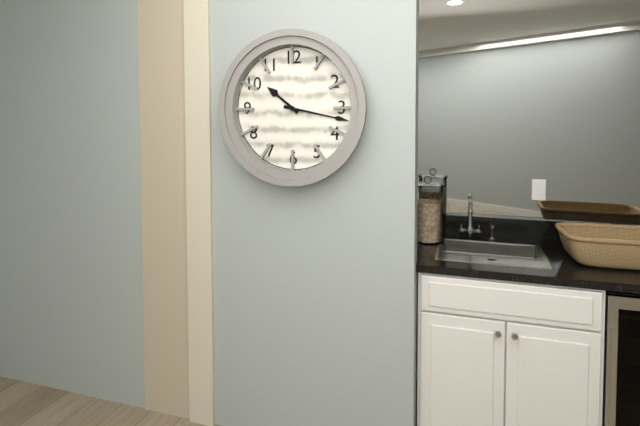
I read h=10 m=17
